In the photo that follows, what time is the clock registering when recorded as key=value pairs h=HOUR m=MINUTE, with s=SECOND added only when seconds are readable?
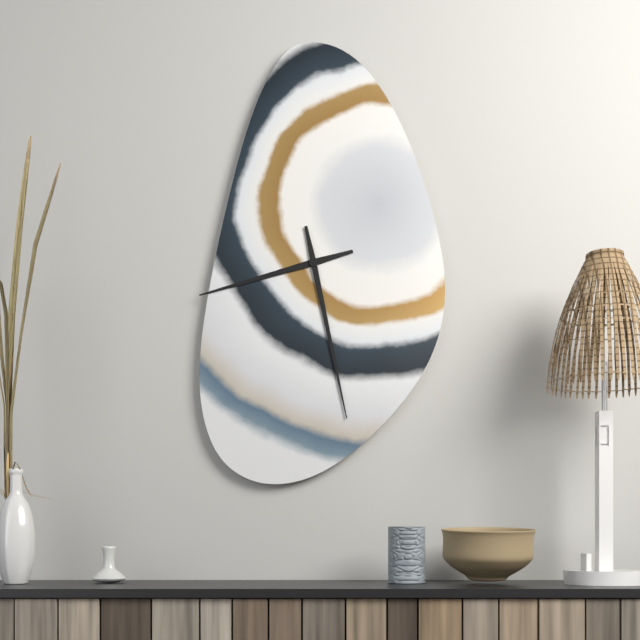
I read h=8 m=28
